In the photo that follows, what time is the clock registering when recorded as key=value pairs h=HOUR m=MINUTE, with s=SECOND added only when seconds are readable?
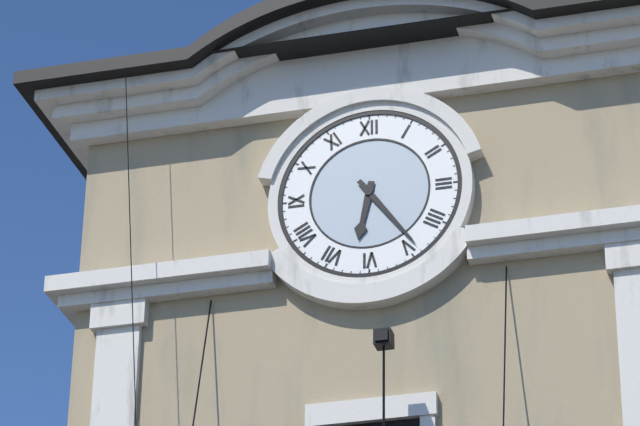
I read h=6 m=24
